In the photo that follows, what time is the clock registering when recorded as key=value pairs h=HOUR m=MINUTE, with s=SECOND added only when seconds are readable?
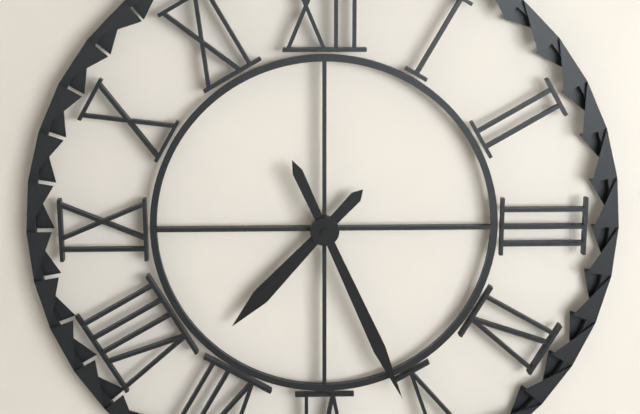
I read h=7 m=26
